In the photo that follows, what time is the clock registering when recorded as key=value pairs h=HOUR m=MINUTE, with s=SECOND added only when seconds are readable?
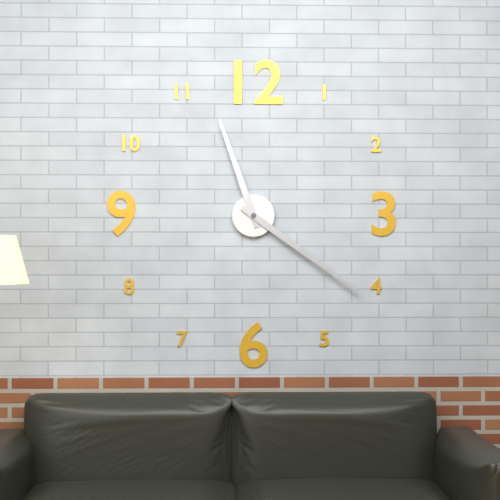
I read h=11 m=21
